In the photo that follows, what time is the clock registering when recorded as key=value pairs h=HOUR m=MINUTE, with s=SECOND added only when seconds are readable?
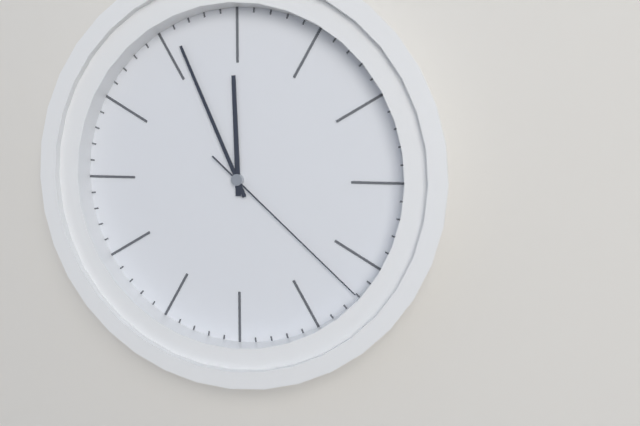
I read h=11 m=56 s=22
